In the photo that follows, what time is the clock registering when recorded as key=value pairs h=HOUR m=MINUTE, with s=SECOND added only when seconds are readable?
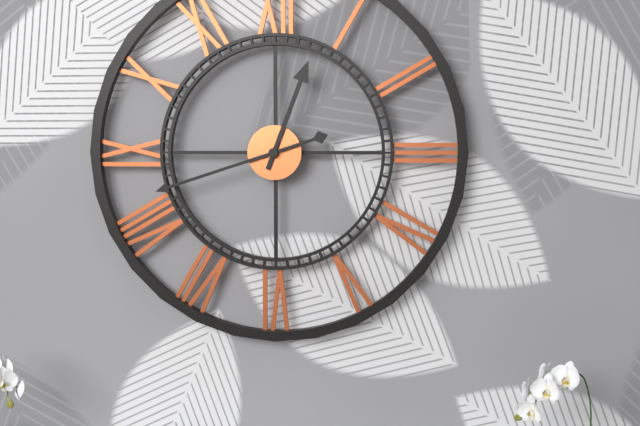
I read h=12 m=42
